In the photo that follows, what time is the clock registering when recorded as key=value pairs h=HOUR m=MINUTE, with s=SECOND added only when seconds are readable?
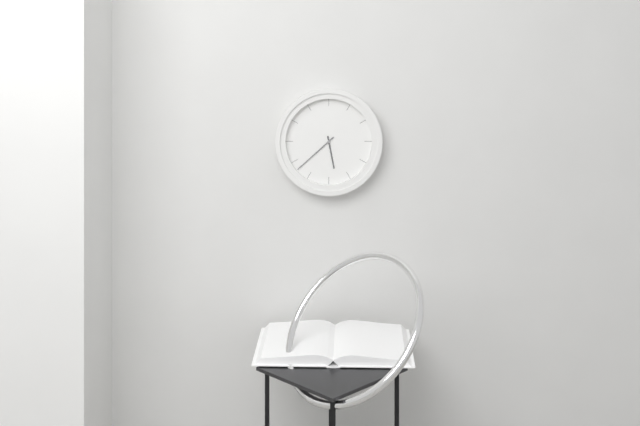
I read h=5 m=38
